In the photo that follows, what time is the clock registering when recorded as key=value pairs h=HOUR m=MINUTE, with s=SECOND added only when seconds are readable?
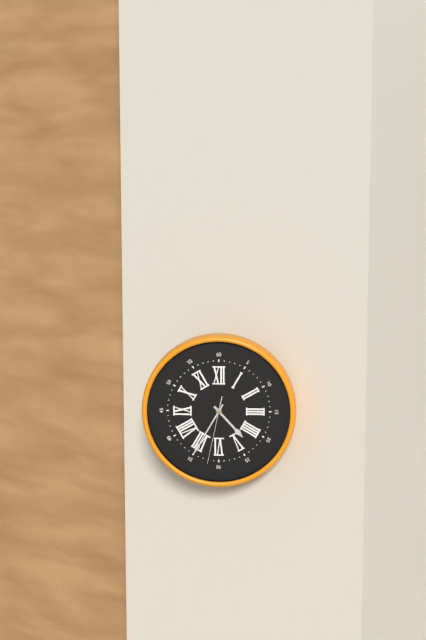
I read h=4 m=35 s=32
